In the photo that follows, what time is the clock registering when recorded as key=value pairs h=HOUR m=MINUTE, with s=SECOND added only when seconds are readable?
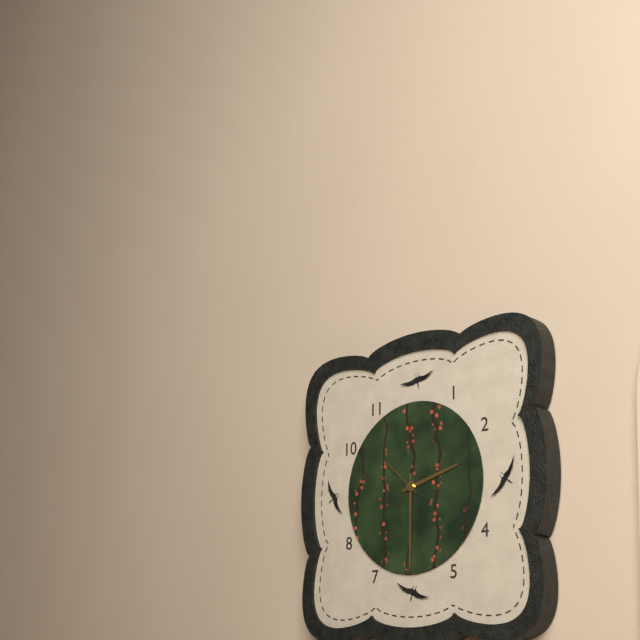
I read h=2 m=30
